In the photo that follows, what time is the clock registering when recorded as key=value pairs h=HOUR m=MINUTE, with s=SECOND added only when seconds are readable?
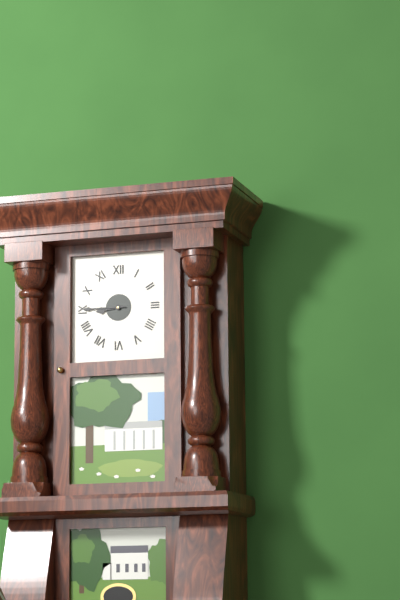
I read h=8 m=45
